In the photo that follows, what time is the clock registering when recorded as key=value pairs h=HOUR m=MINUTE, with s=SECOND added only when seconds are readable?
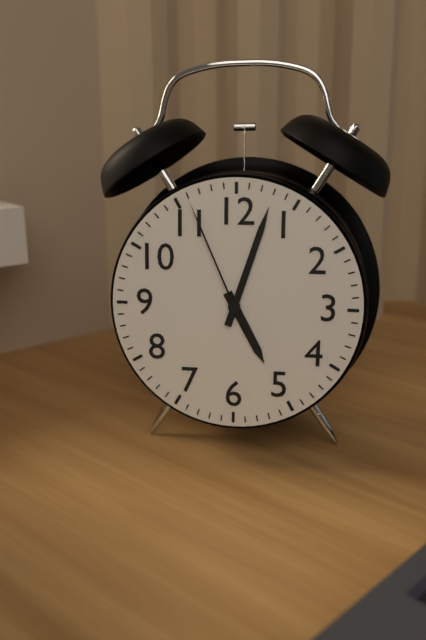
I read h=5 m=3 s=56
